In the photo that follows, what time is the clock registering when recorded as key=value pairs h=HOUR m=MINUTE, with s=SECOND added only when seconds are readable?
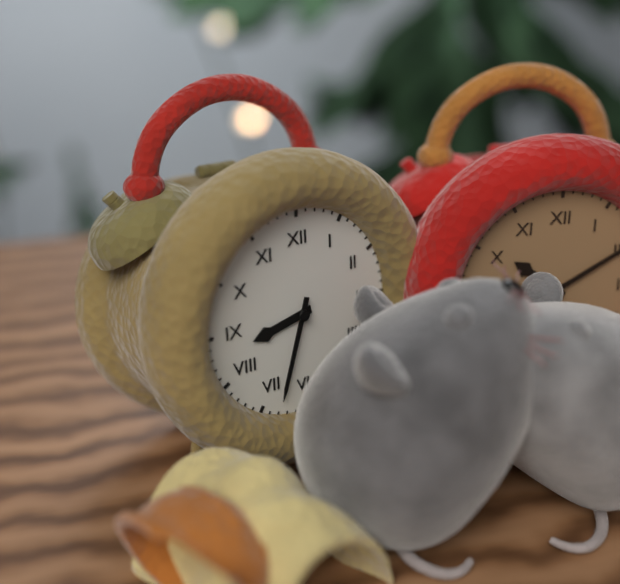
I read h=8 m=33
